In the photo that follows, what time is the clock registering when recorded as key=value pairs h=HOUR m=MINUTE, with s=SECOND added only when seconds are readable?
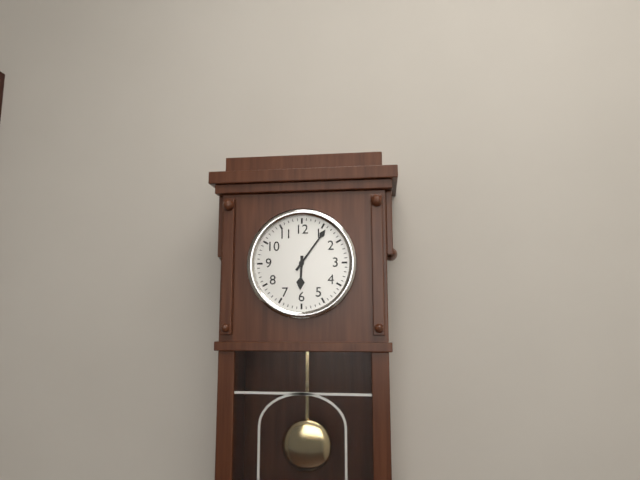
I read h=6 m=6
